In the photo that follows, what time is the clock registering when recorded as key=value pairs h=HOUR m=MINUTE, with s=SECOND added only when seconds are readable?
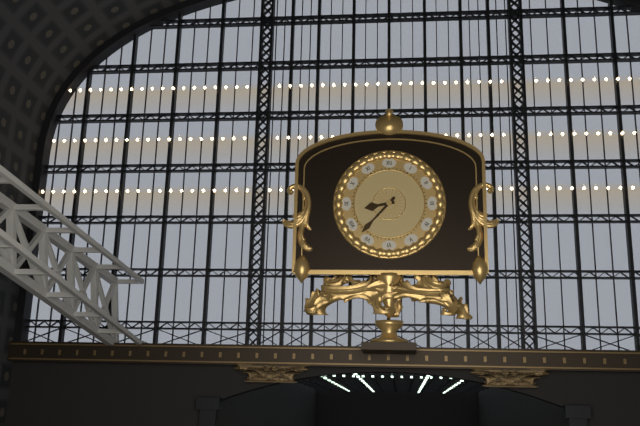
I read h=8 m=37
